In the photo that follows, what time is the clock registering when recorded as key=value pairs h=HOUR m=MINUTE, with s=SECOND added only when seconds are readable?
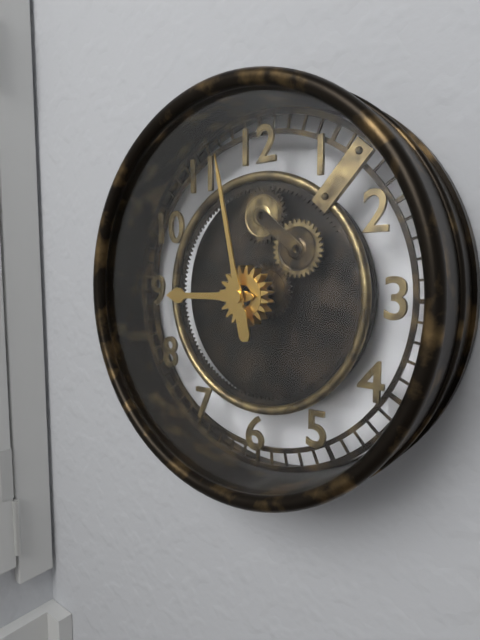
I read h=8 m=58
